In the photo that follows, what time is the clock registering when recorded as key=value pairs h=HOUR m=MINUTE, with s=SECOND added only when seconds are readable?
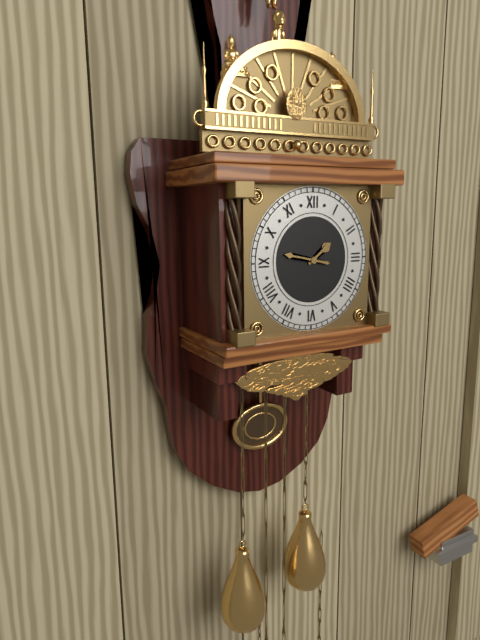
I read h=1 m=47
